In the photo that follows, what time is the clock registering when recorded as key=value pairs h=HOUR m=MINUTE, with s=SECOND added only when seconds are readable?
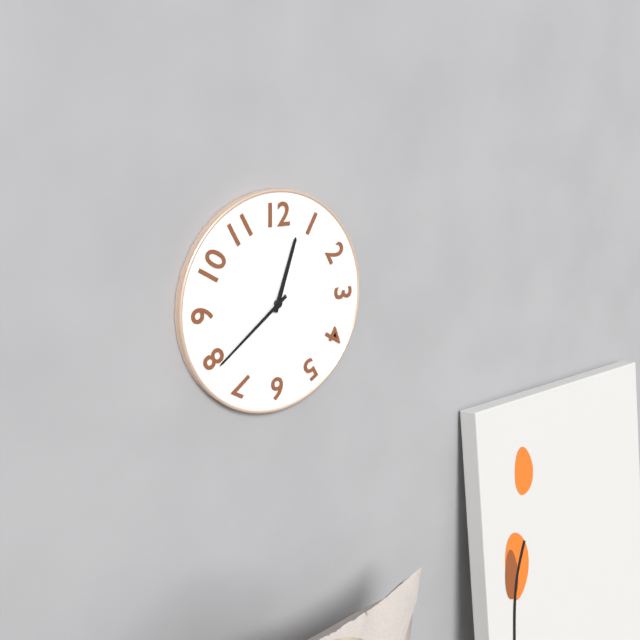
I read h=12 m=39
